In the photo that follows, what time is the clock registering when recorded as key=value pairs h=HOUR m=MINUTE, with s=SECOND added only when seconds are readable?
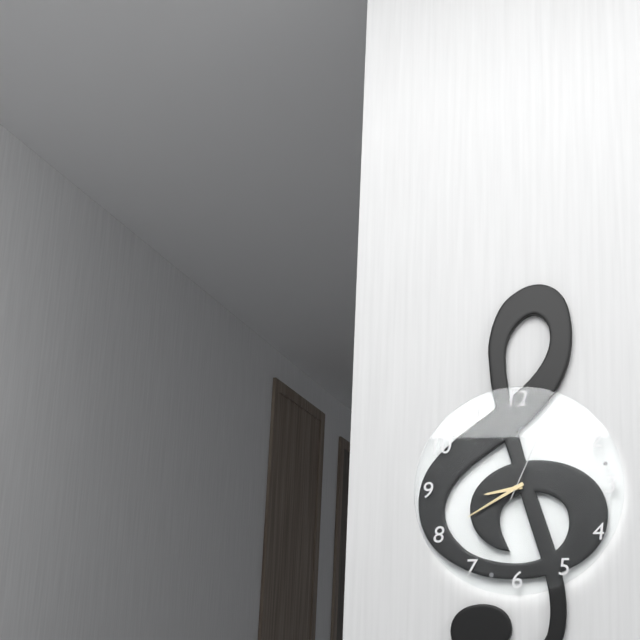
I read h=8 m=40 s=4
